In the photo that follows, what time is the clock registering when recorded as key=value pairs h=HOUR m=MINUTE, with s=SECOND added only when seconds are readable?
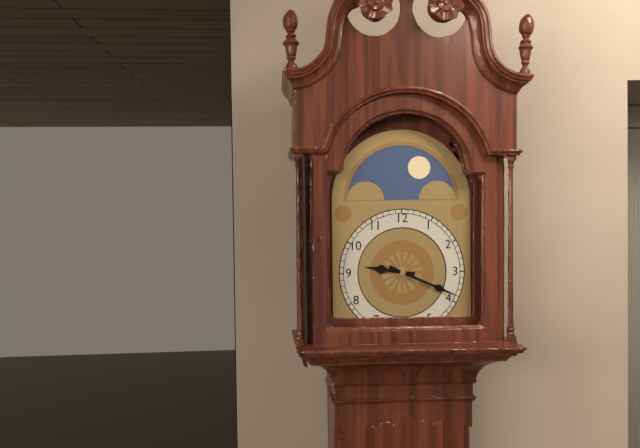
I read h=9 m=19
